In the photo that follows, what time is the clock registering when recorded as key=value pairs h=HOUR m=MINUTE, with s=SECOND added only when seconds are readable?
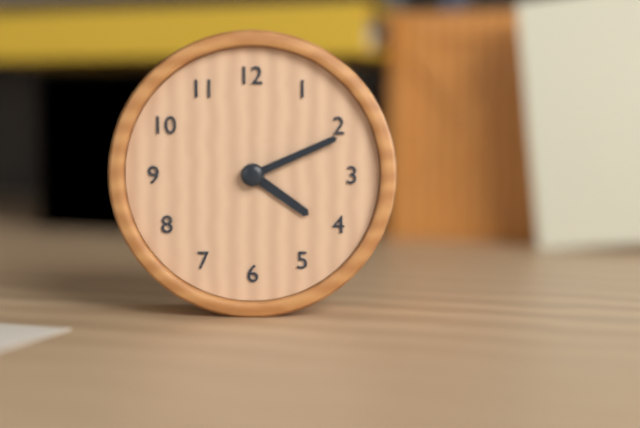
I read h=4 m=11
